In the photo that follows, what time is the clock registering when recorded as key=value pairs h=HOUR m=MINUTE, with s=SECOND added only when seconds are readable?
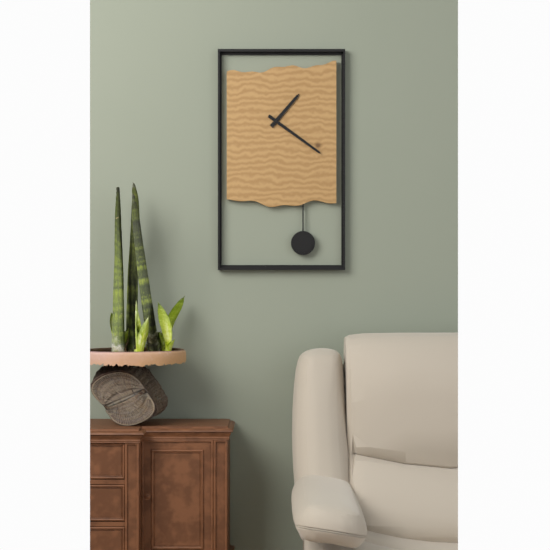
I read h=1 m=21
